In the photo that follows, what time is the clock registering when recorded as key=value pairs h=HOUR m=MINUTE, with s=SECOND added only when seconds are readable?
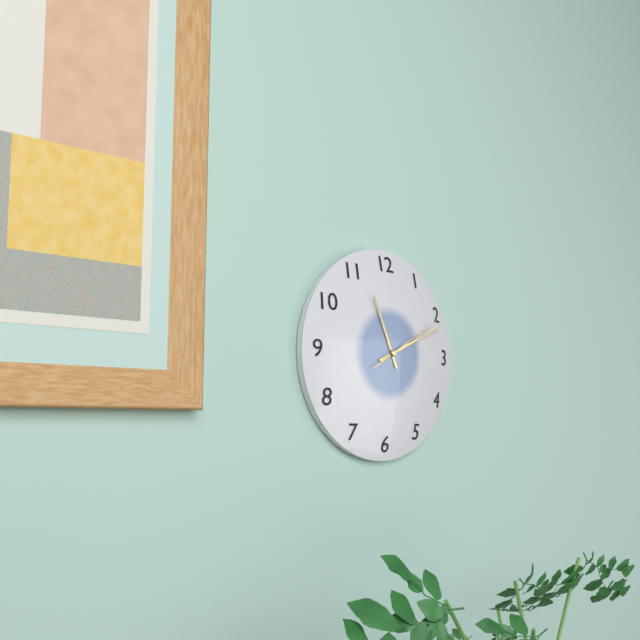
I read h=11 m=11 s=10
